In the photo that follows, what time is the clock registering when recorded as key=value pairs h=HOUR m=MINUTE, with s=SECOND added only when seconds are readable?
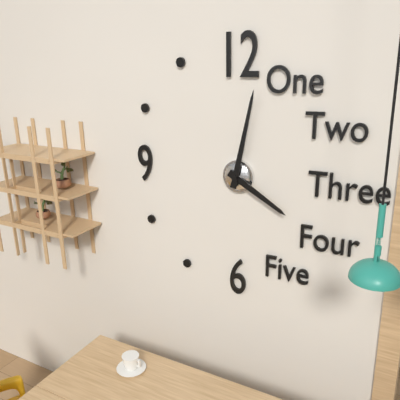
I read h=4 m=2
